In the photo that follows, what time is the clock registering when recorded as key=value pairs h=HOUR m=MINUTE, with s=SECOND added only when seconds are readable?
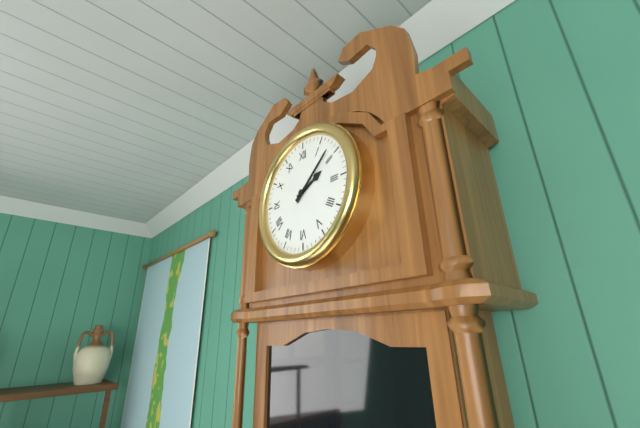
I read h=2 m=8
